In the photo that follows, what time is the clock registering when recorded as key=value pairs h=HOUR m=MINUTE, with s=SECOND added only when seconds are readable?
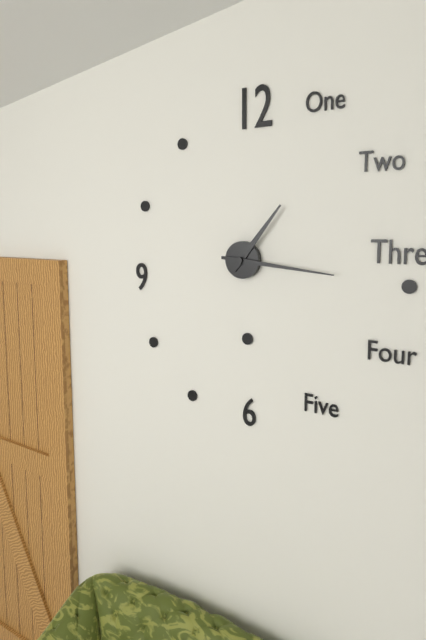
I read h=1 m=16
